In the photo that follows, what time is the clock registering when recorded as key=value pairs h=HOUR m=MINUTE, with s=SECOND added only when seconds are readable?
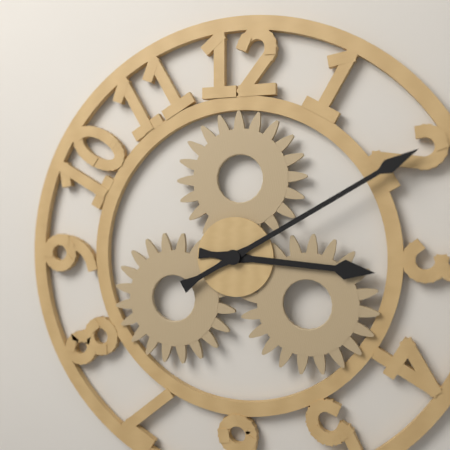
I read h=3 m=10
